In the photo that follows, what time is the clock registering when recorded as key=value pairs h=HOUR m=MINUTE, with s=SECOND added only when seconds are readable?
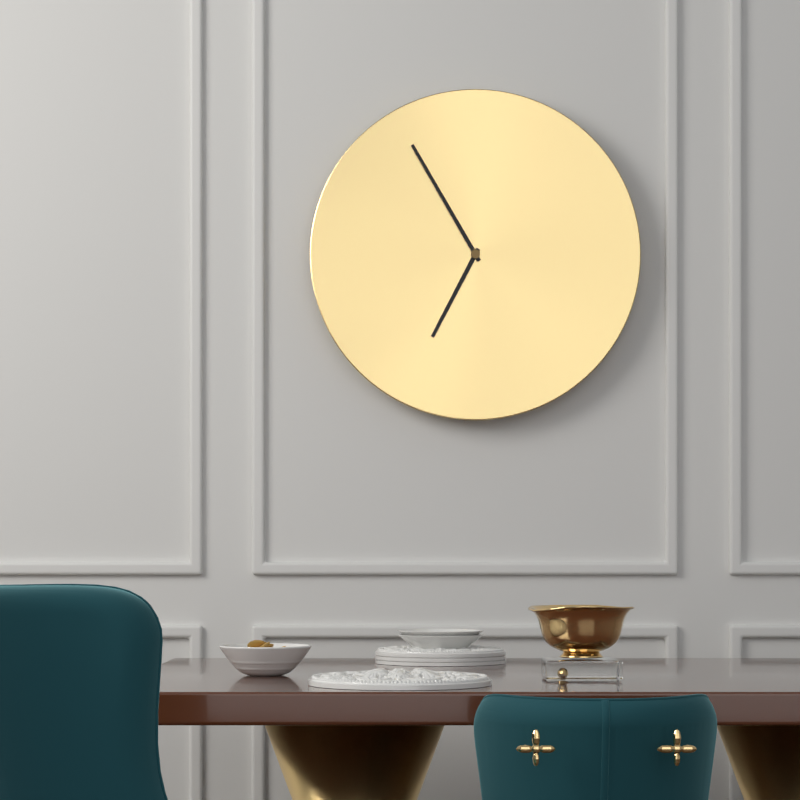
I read h=6 m=55
